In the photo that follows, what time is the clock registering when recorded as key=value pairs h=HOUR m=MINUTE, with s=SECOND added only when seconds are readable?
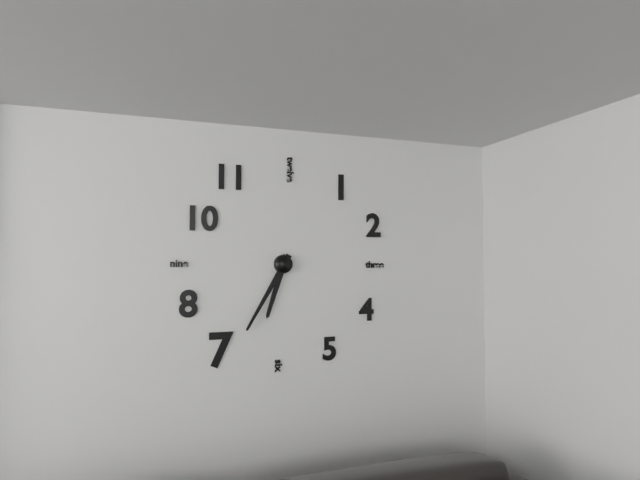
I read h=6 m=35
